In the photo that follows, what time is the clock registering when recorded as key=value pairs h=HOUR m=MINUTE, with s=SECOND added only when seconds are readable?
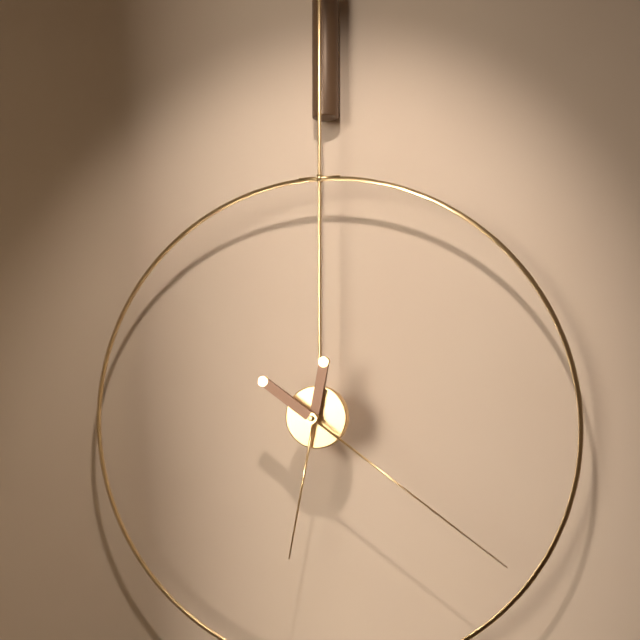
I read h=6 m=21
